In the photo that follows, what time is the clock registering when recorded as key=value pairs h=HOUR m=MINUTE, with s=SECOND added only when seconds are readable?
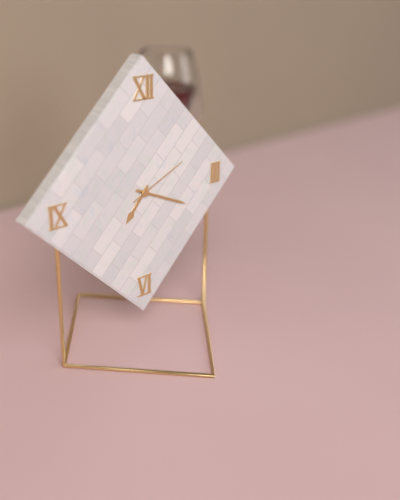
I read h=7 m=19 s=11
